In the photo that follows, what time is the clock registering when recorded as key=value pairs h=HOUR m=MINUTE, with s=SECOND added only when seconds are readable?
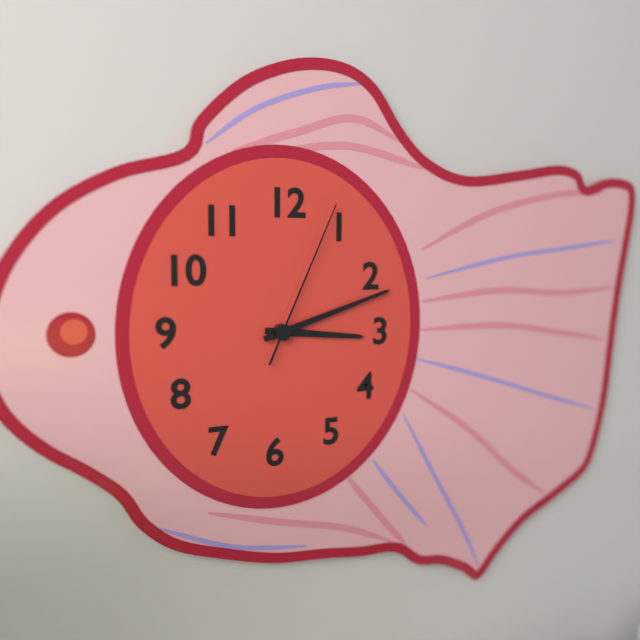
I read h=3 m=12 s=4
